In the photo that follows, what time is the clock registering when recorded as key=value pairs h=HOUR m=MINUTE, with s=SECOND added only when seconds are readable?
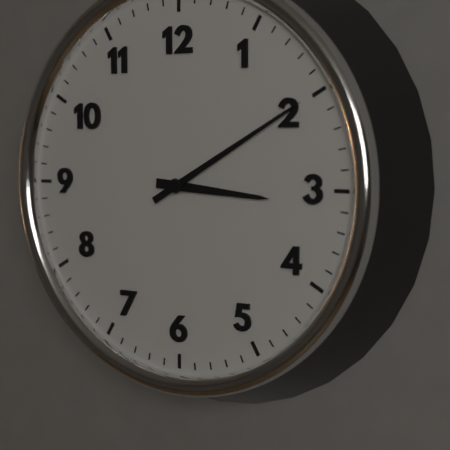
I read h=3 m=10
